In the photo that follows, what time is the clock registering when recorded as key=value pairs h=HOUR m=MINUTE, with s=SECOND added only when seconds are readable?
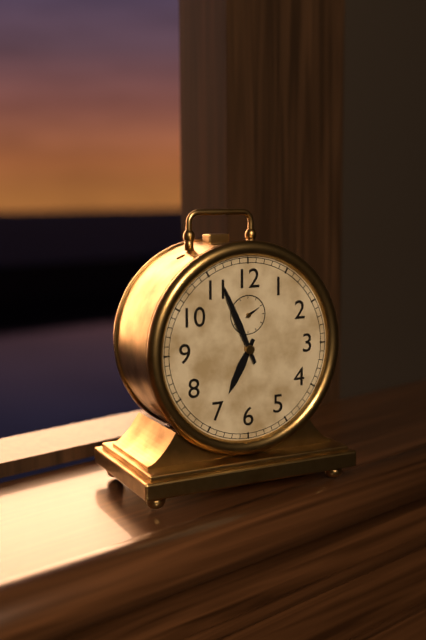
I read h=6 m=56
